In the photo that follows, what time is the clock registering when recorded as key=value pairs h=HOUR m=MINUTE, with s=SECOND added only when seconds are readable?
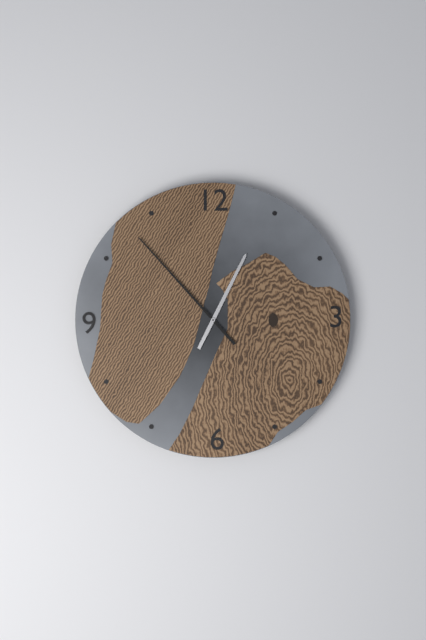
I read h=12 m=53
